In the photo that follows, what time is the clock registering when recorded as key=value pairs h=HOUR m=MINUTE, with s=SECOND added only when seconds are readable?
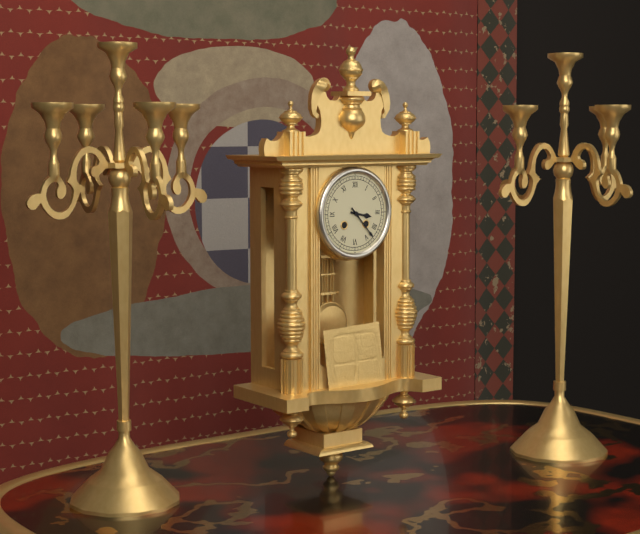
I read h=3 m=23
